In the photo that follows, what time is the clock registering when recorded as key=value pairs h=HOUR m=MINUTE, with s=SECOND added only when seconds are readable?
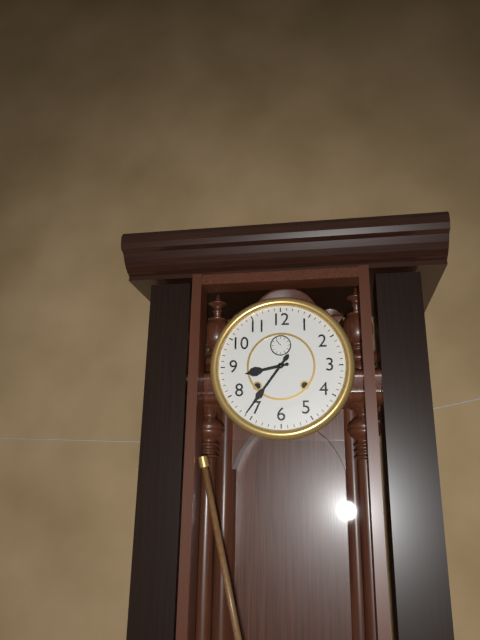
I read h=8 m=36
